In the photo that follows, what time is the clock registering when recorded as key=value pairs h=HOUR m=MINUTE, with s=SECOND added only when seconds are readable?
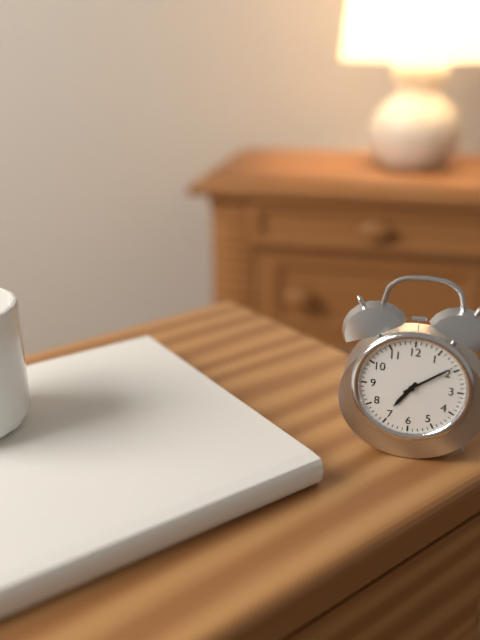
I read h=7 m=9
